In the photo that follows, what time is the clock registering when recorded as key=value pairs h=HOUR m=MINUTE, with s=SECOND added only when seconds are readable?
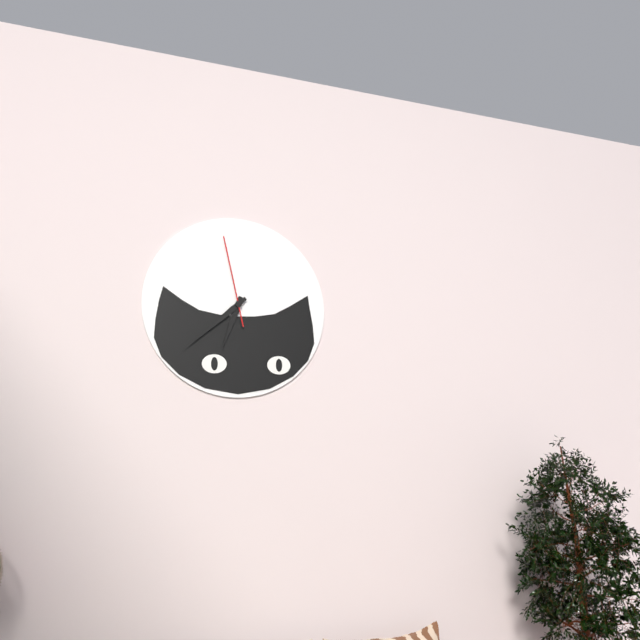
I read h=6 m=38 s=58
